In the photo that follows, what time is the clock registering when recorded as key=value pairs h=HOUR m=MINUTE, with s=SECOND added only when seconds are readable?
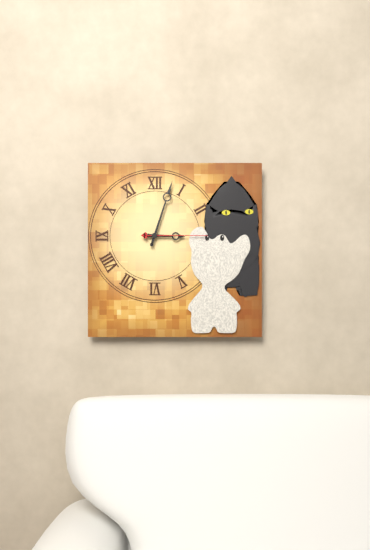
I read h=3 m=3 s=15
